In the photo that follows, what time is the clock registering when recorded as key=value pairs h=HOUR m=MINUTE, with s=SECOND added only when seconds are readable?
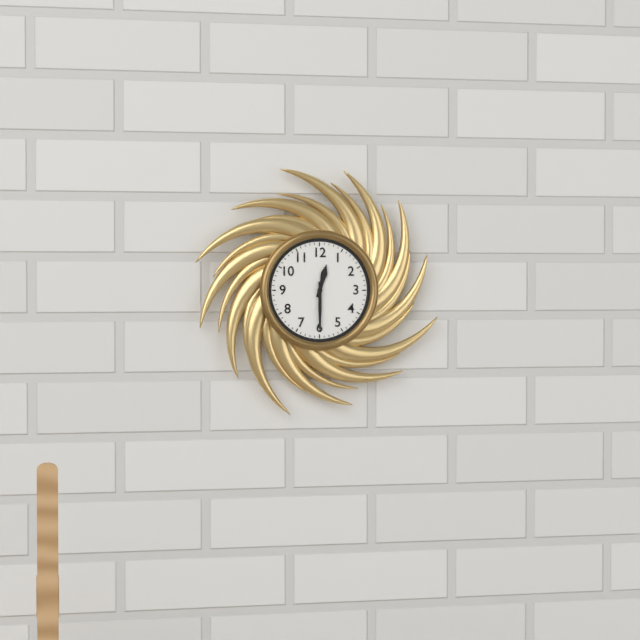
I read h=12 m=30
